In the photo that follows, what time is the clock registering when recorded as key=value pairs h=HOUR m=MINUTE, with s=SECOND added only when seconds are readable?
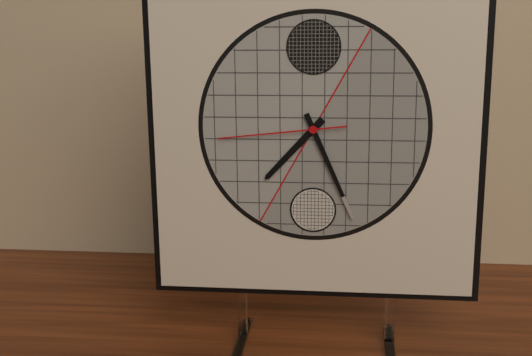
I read h=7 m=26 s=44
